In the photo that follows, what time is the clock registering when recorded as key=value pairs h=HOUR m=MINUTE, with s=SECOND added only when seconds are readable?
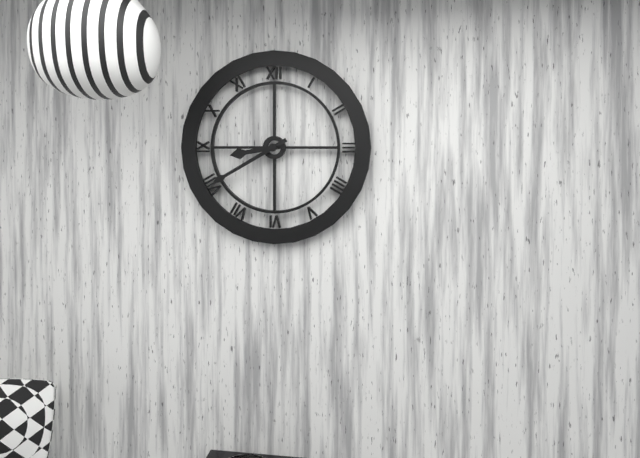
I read h=8 m=40
